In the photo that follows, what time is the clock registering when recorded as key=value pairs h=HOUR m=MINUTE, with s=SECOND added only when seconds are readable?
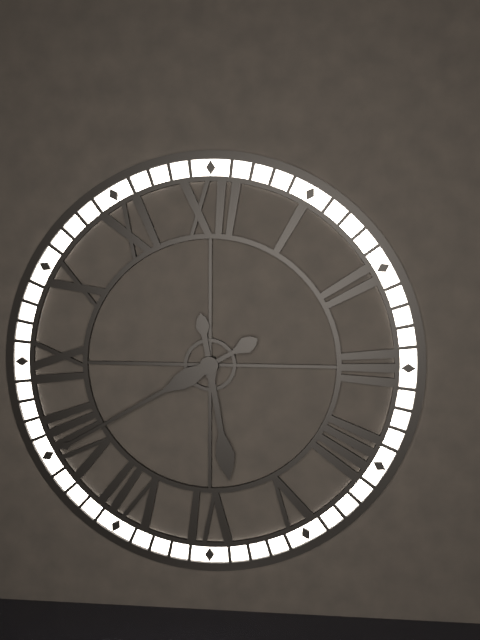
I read h=5 m=40
